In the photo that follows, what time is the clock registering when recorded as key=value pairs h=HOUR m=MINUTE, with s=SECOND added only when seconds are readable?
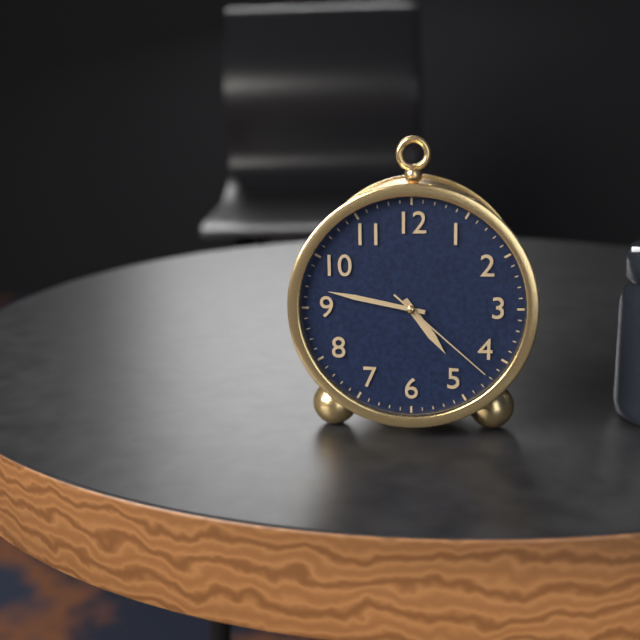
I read h=4 m=47 s=22
